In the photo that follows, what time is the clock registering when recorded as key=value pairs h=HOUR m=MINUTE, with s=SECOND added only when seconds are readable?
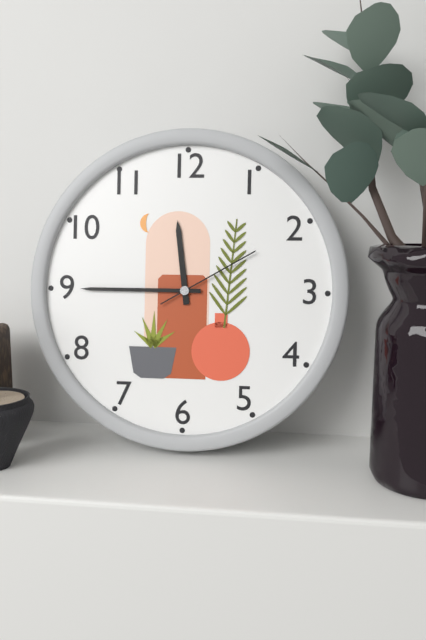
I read h=11 m=45 s=10
